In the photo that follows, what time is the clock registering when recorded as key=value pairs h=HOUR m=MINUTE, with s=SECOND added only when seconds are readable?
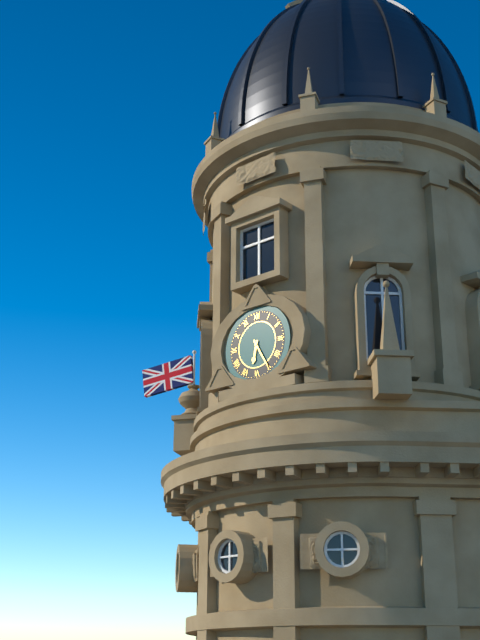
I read h=6 m=25
